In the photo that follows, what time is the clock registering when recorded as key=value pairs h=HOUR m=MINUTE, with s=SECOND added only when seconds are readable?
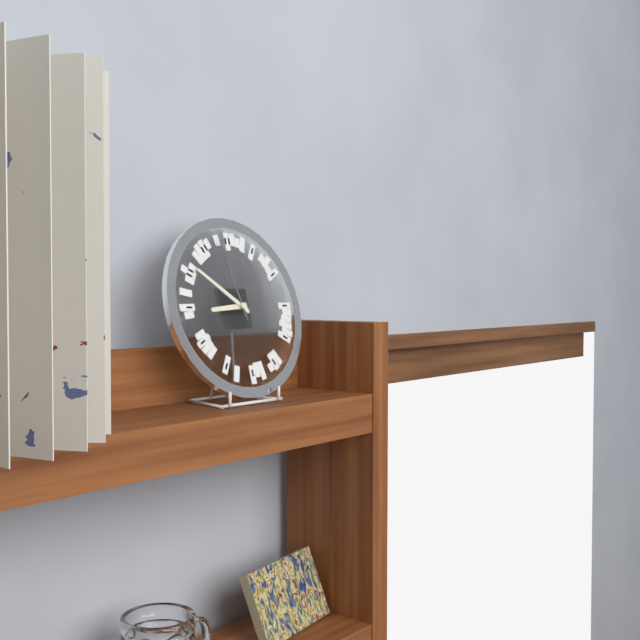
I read h=8 m=51 s=58
